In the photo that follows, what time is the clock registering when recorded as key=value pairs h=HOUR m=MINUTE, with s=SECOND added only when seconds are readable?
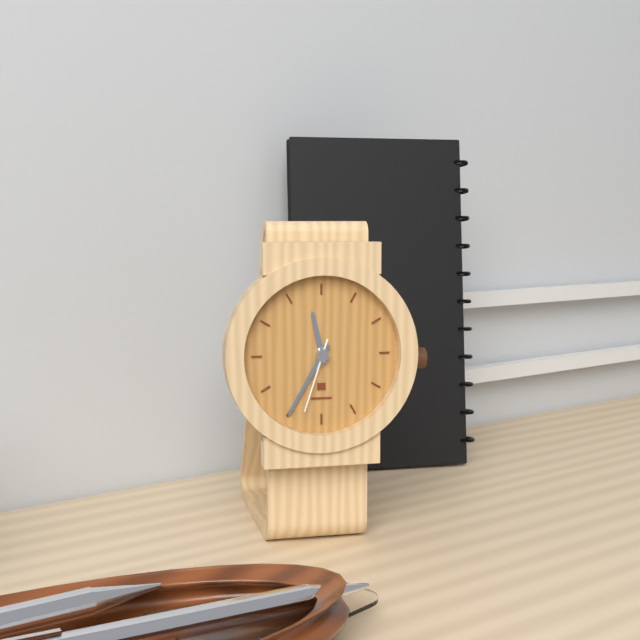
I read h=11 m=35 s=33
